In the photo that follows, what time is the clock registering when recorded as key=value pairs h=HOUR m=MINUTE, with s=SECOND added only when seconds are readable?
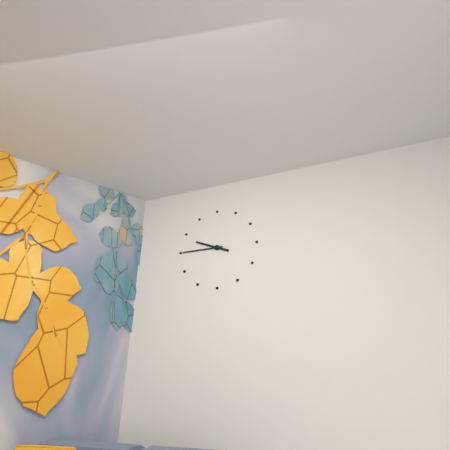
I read h=9 m=45
